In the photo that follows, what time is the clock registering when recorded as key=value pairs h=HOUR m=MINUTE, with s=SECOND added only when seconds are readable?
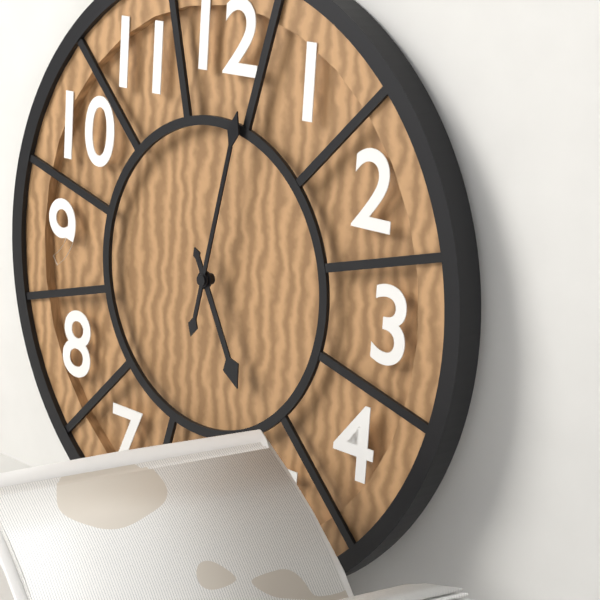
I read h=5 m=2
